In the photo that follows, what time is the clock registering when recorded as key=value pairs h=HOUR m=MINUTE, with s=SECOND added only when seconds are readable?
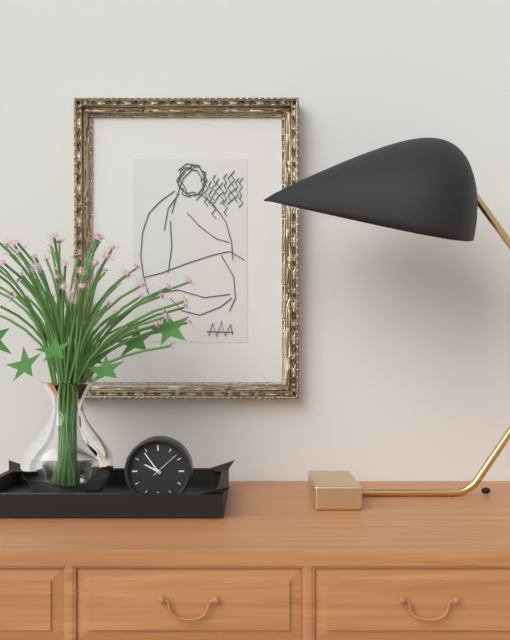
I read h=9 m=54
